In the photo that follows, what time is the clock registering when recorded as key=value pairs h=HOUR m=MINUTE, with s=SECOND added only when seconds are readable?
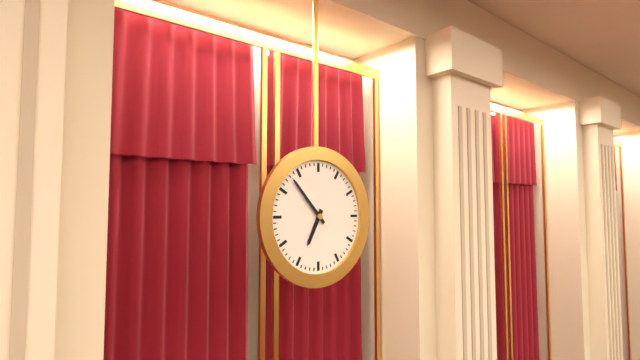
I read h=6 m=53
